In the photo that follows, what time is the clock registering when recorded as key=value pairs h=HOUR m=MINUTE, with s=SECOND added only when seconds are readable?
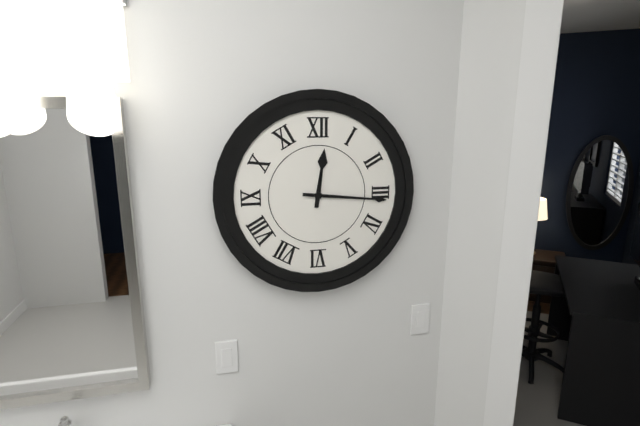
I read h=12 m=16
